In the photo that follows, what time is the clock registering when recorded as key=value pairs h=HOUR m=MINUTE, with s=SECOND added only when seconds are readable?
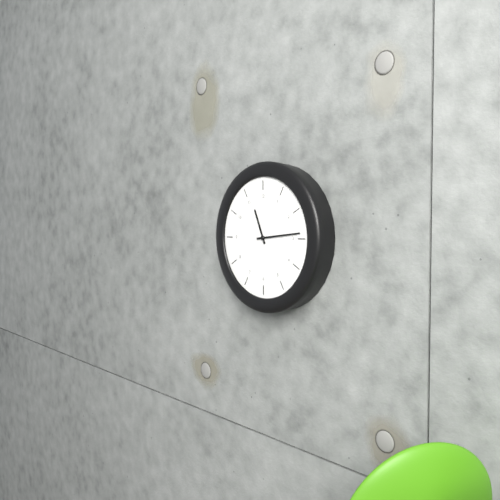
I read h=11 m=14
